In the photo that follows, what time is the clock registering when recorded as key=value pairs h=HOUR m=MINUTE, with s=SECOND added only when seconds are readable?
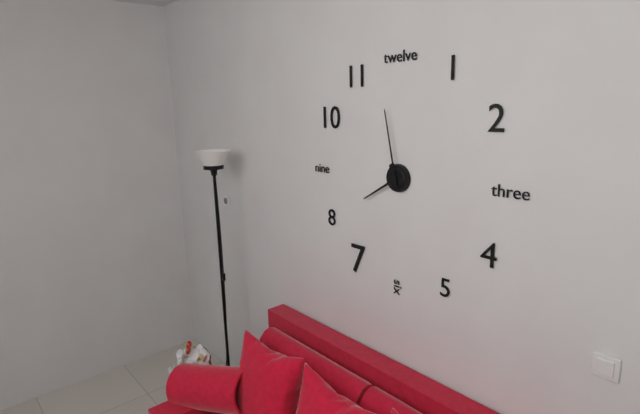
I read h=7 m=58
